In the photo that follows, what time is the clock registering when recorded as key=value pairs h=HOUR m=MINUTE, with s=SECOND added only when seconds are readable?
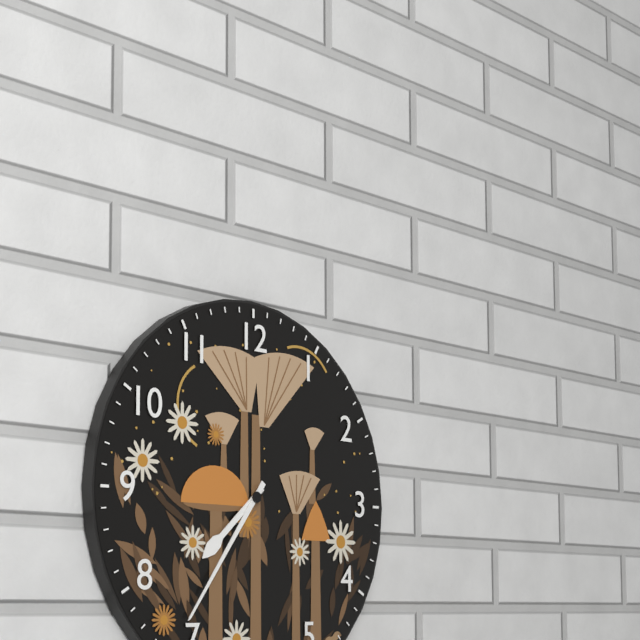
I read h=7 m=36
